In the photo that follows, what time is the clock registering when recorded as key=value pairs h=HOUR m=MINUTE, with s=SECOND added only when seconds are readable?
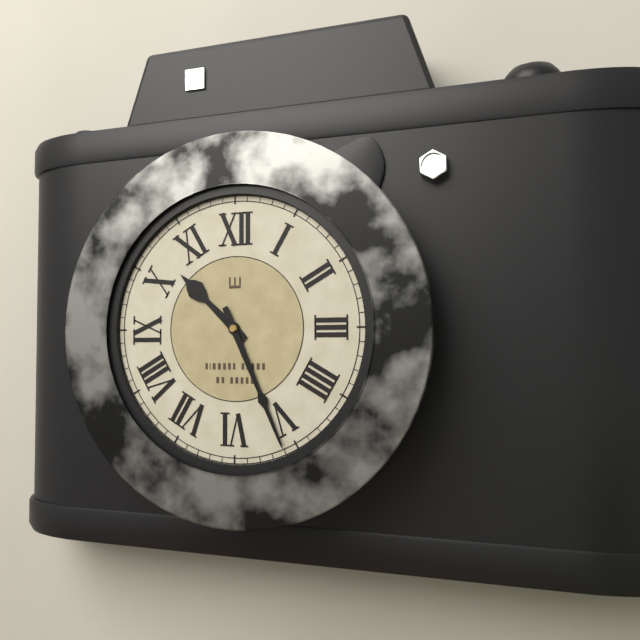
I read h=10 m=26
